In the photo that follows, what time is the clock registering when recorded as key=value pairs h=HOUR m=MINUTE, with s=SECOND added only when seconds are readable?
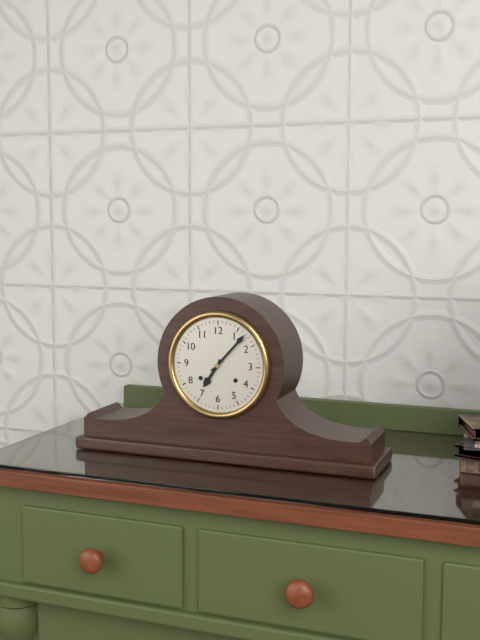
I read h=7 m=7
